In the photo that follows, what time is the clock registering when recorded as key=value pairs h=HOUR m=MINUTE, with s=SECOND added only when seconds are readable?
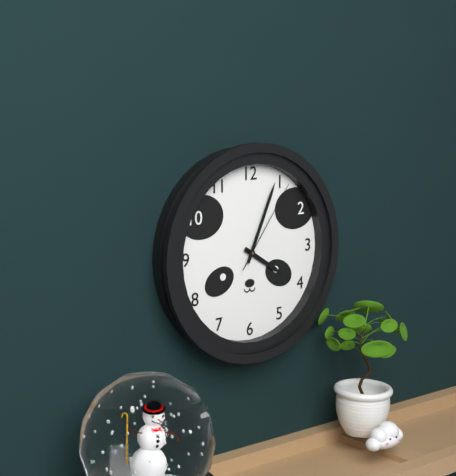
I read h=4 m=4 s=6
